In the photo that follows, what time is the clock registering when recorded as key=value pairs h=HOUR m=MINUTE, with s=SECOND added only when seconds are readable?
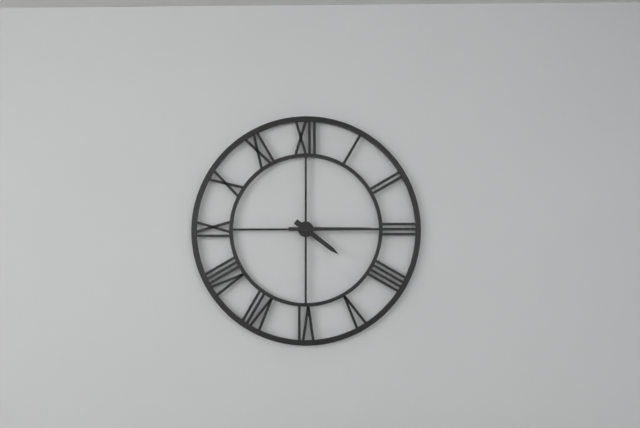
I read h=4 m=15
